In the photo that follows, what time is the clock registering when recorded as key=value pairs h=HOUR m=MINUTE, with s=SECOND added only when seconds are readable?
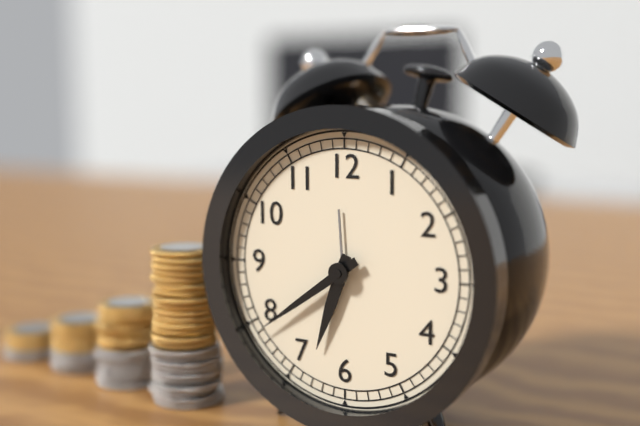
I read h=6 m=39
